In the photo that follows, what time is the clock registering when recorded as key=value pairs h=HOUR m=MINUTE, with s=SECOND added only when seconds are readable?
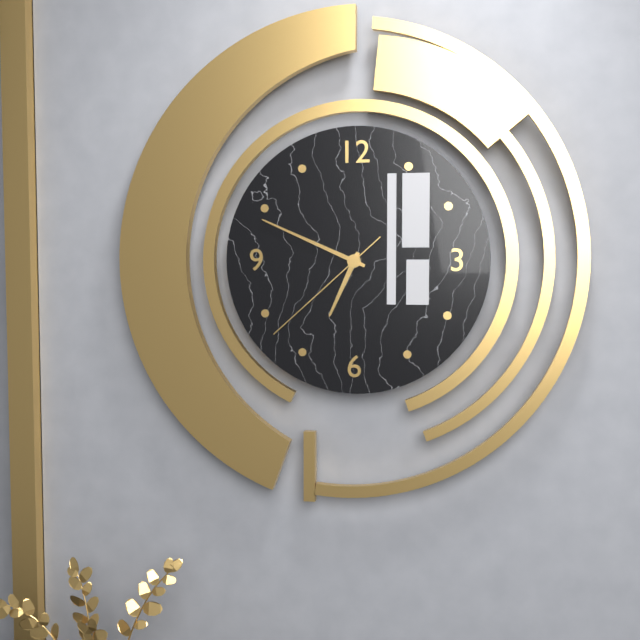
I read h=6 m=49 s=38
